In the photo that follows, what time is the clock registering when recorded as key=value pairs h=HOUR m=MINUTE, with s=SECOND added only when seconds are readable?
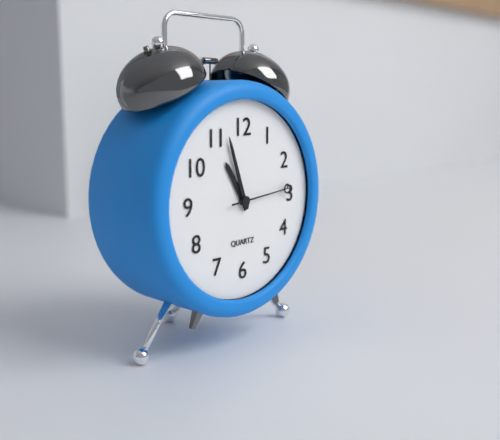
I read h=10 m=57 s=14
